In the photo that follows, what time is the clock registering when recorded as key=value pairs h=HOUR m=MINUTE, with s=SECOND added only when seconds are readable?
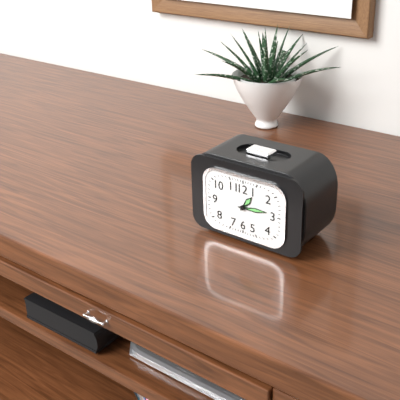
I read h=1 m=14
